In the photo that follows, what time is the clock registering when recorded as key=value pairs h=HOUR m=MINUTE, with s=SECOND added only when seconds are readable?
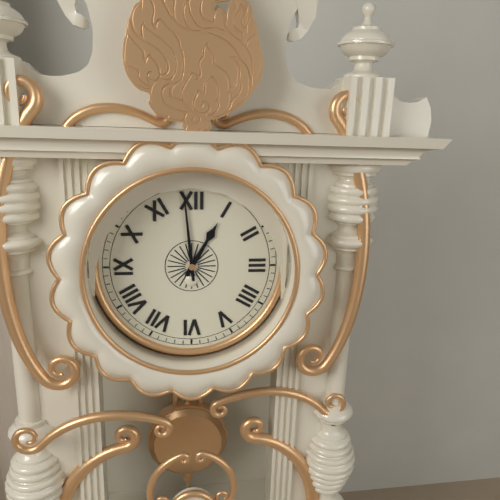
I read h=12 m=59
